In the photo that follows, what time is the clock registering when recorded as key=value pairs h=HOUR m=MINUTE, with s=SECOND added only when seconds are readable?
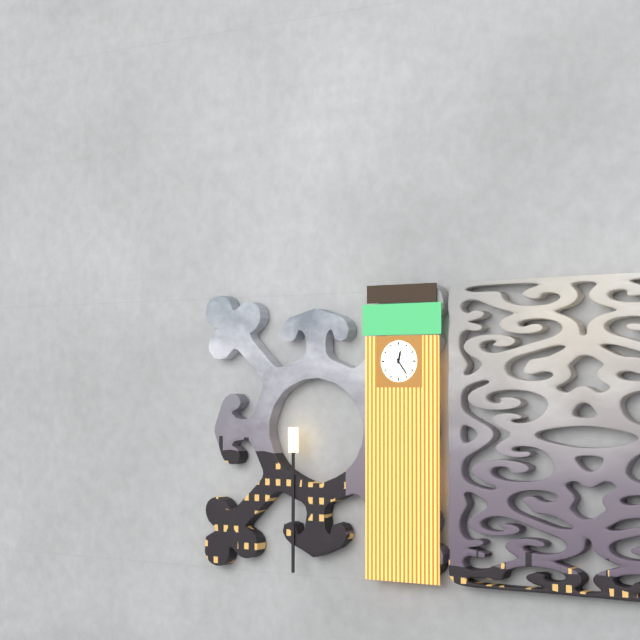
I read h=12 m=24
